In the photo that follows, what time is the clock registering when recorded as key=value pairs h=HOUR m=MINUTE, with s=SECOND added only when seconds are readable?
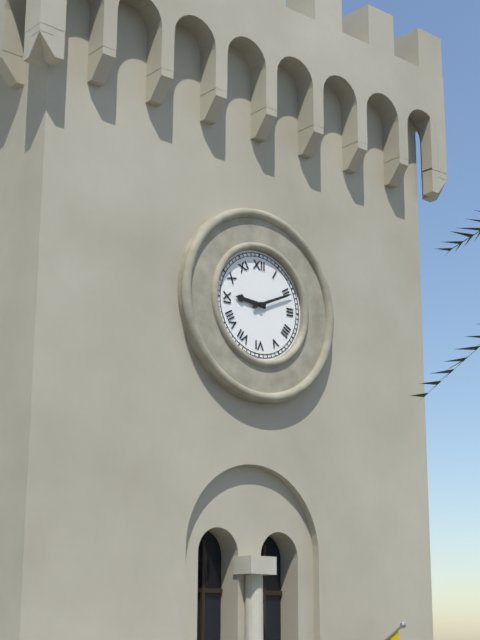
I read h=9 m=11
